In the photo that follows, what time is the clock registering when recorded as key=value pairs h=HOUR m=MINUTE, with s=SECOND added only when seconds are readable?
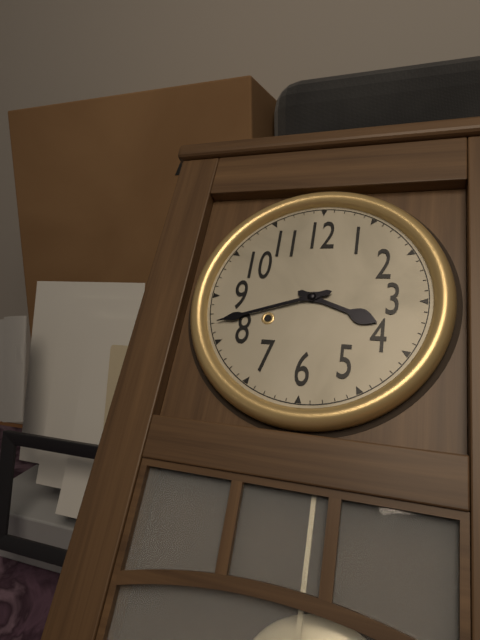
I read h=3 m=42
